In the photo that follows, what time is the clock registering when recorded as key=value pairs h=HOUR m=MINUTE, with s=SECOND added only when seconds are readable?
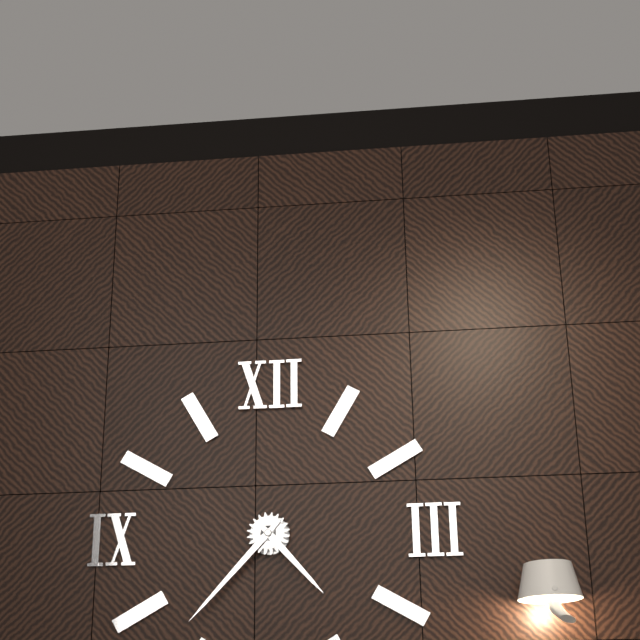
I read h=4 m=37
